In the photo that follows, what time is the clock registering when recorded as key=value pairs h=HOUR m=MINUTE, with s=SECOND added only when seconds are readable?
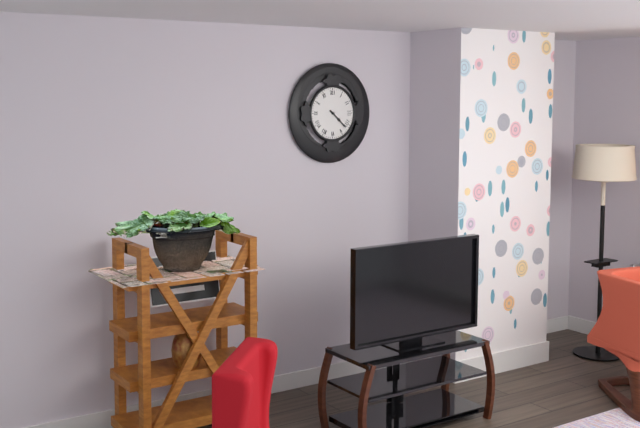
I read h=4 m=22
